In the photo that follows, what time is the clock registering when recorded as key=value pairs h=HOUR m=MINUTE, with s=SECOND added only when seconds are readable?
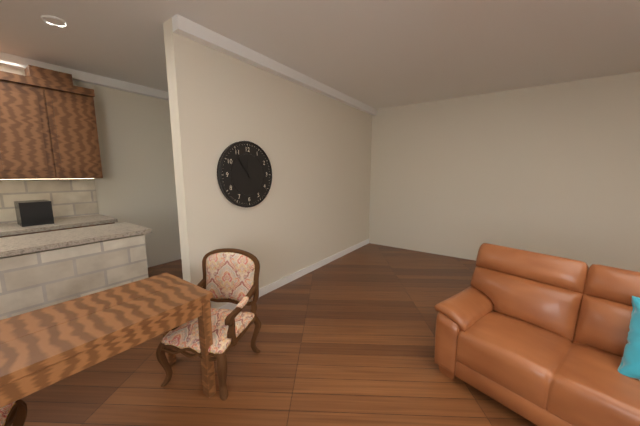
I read h=11 m=54
